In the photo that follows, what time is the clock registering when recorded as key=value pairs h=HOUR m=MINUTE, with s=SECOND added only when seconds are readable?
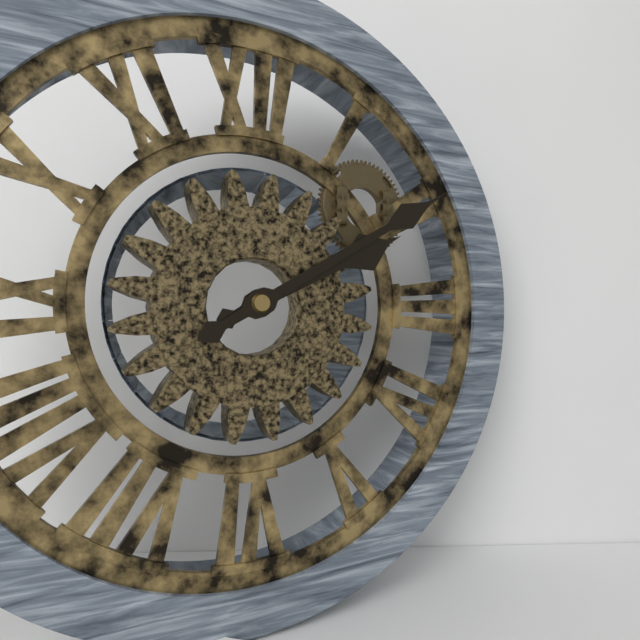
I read h=2 m=10
